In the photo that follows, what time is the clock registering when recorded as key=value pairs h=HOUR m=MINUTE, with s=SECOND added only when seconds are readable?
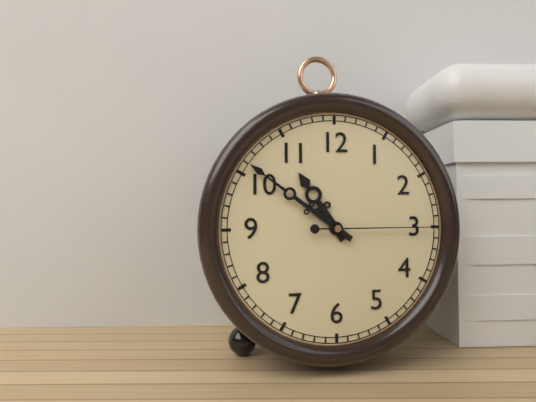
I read h=10 m=51 s=15
